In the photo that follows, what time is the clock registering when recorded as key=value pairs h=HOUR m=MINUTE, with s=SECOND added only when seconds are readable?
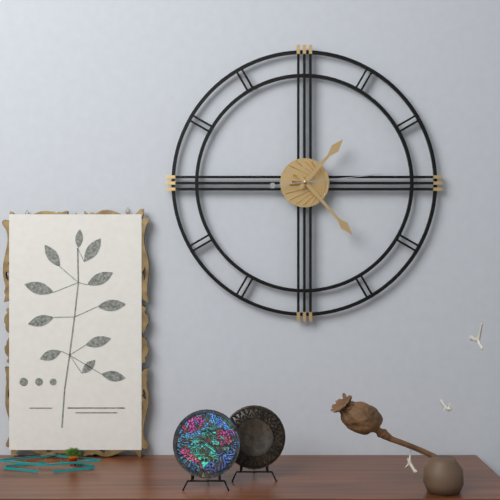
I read h=1 m=23 s=14
